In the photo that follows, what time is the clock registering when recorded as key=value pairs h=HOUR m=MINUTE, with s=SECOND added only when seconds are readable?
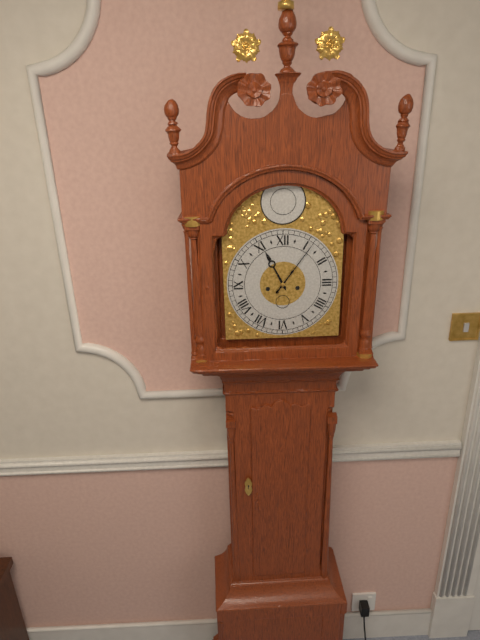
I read h=11 m=6
